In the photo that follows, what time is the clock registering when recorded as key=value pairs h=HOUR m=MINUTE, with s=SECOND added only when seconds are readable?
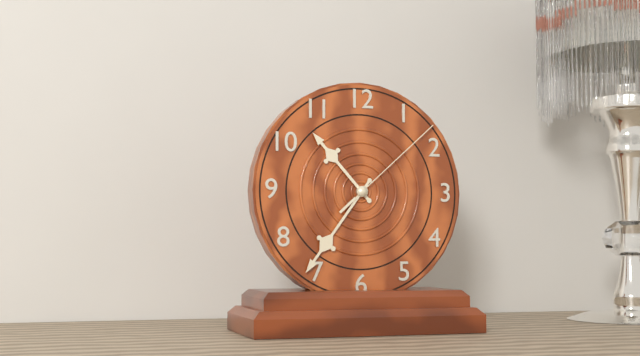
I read h=10 m=36 s=8
